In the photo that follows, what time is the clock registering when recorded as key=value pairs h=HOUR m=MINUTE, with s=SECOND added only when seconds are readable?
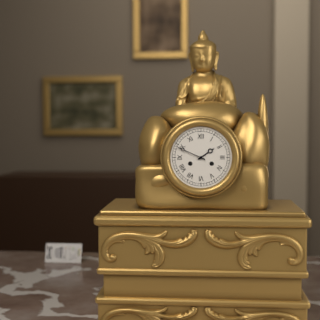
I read h=1 m=49
